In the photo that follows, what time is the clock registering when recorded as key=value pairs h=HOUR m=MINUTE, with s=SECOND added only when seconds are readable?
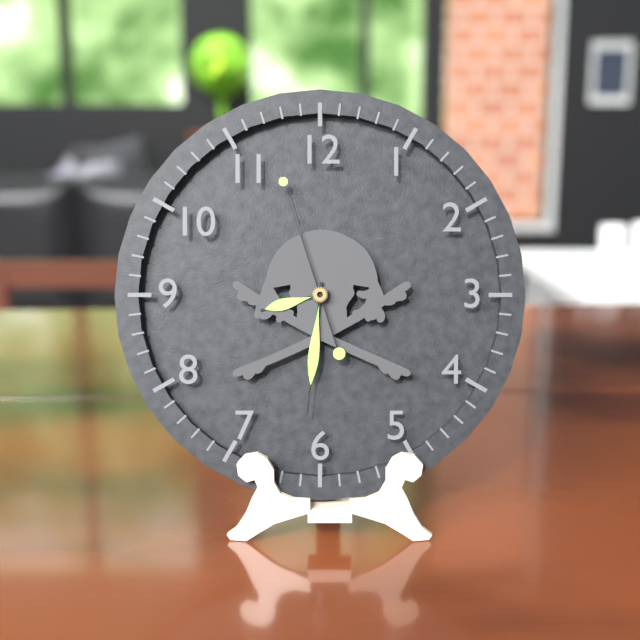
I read h=8 m=31 s=57
